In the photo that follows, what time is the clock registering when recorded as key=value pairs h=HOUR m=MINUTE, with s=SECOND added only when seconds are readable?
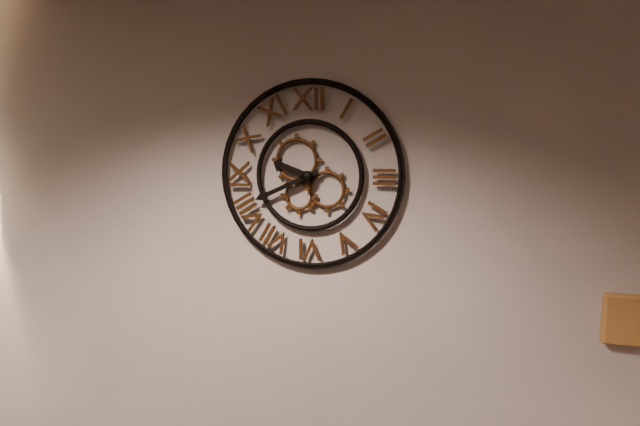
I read h=9 m=41
